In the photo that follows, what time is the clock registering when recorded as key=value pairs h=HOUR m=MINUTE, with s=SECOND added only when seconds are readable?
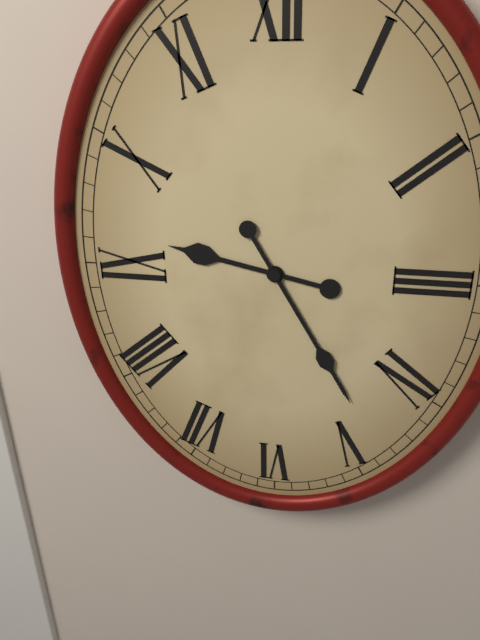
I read h=9 m=25
